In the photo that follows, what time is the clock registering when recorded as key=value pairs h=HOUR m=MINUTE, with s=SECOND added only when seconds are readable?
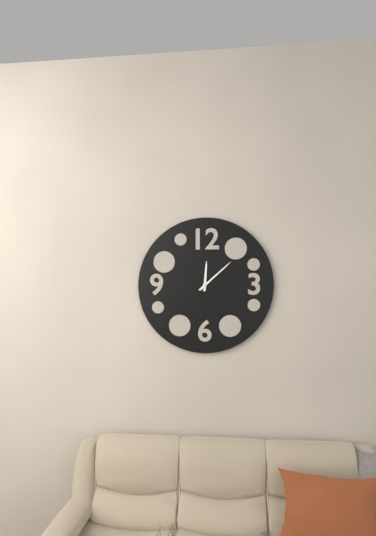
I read h=12 m=8
